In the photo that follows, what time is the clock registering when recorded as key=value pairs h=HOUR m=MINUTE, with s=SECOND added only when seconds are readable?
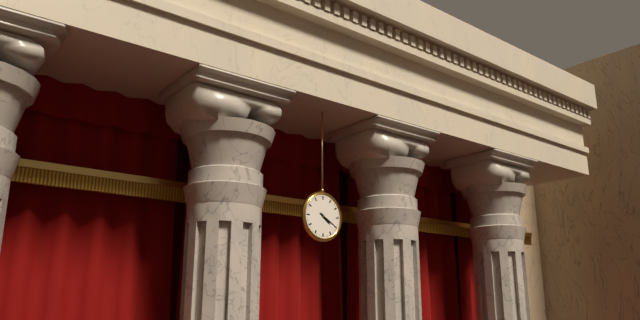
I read h=4 m=20
